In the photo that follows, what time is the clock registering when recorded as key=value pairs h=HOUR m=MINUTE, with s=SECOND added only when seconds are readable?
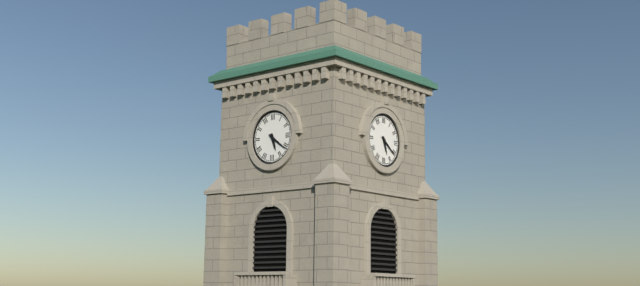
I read h=5 m=21
